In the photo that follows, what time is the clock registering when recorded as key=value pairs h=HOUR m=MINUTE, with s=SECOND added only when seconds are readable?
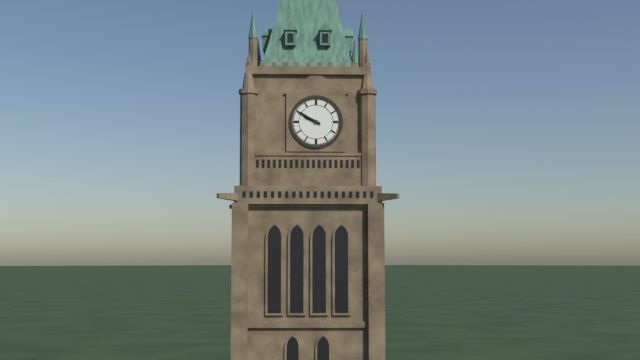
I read h=9 m=50
